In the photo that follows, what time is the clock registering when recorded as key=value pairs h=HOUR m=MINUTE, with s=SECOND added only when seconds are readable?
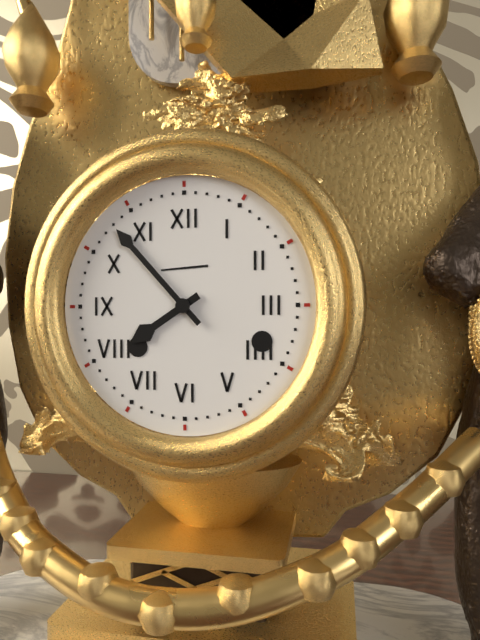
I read h=7 m=53
